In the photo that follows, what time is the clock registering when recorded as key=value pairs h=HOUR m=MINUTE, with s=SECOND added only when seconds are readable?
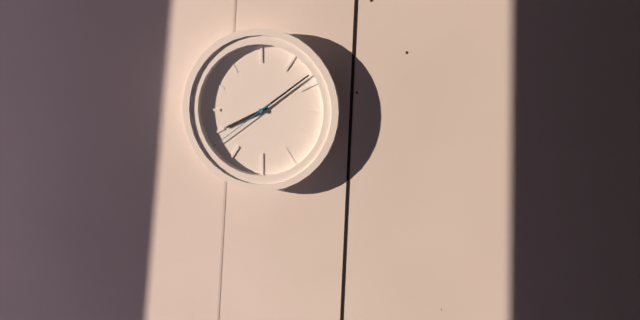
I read h=8 m=9 s=39
